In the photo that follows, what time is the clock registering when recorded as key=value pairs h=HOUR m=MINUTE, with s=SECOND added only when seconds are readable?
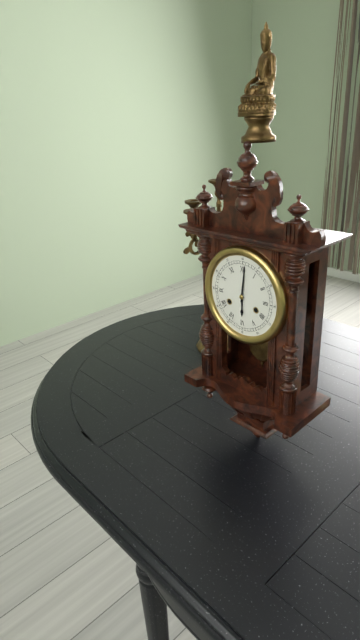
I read h=6 m=1
